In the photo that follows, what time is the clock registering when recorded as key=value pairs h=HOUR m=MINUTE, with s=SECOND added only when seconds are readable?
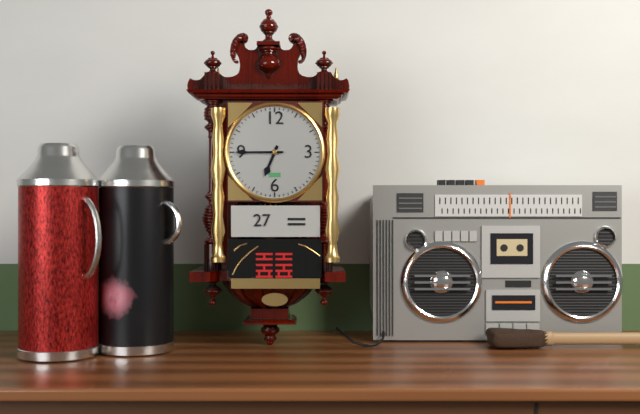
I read h=6 m=45
